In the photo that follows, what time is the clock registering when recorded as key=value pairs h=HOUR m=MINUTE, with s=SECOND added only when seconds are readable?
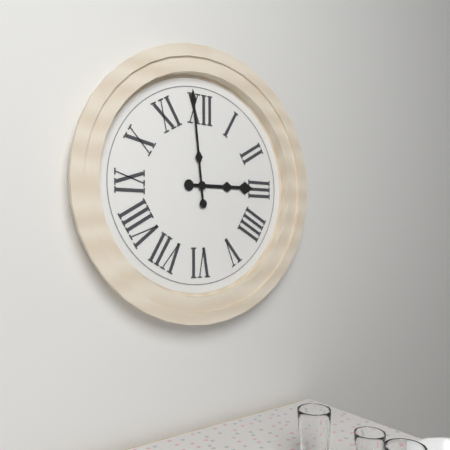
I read h=2 m=59
